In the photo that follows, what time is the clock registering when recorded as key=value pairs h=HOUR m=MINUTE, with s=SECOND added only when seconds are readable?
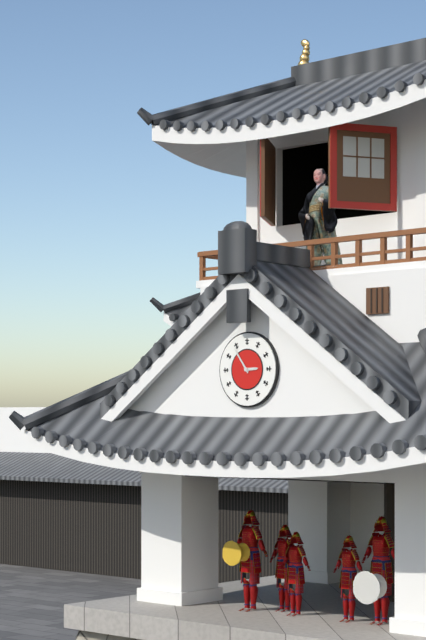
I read h=2 m=54
